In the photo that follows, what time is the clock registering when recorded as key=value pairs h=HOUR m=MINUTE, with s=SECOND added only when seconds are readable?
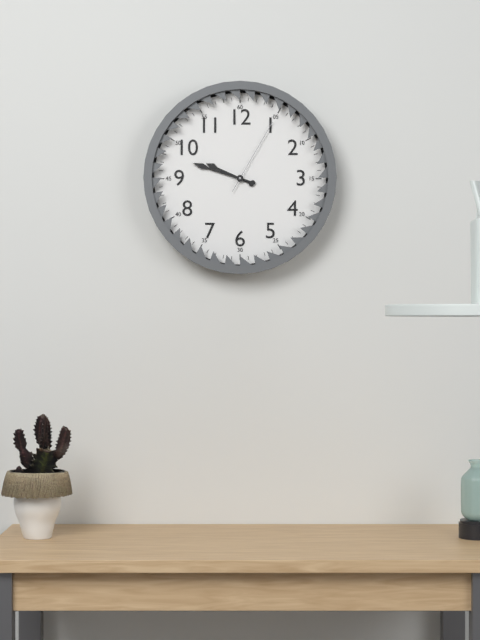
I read h=9 m=48 s=5
